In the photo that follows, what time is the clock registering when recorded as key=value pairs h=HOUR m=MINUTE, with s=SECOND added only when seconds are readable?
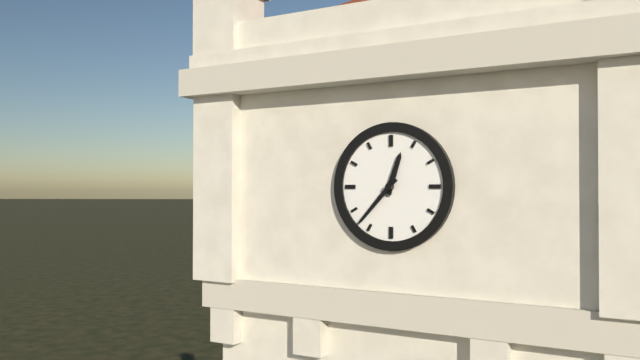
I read h=12 m=37
